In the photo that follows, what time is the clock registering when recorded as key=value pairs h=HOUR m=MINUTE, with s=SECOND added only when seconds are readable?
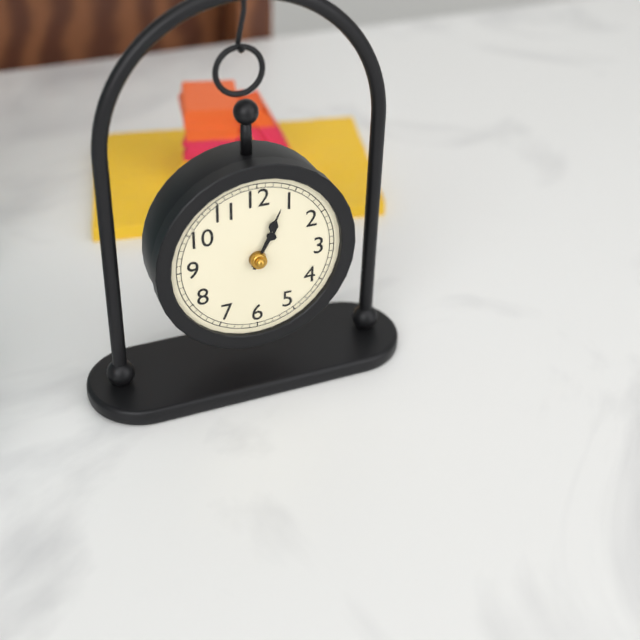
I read h=1 m=4
